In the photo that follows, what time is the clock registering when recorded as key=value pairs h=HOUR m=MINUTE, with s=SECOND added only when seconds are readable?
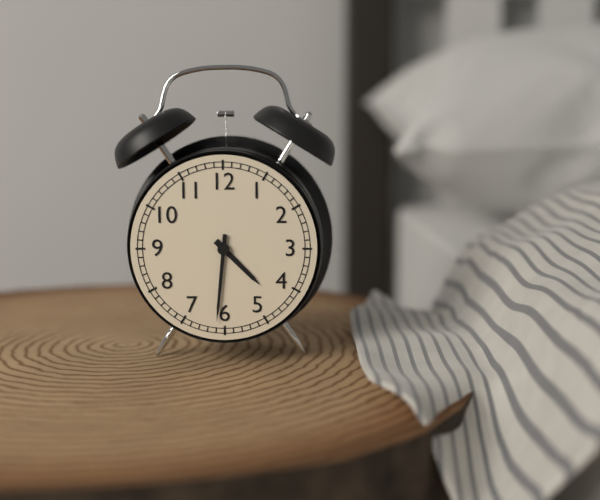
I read h=4 m=31
